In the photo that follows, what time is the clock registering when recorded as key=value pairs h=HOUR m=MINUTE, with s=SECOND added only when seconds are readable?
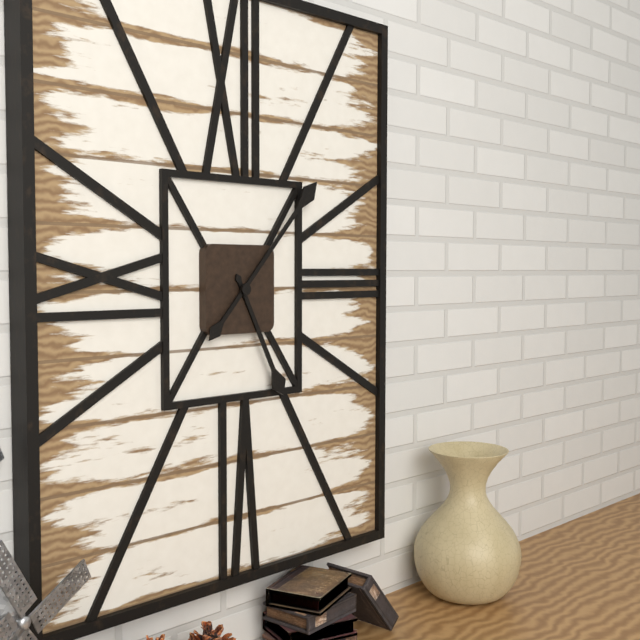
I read h=5 m=7
